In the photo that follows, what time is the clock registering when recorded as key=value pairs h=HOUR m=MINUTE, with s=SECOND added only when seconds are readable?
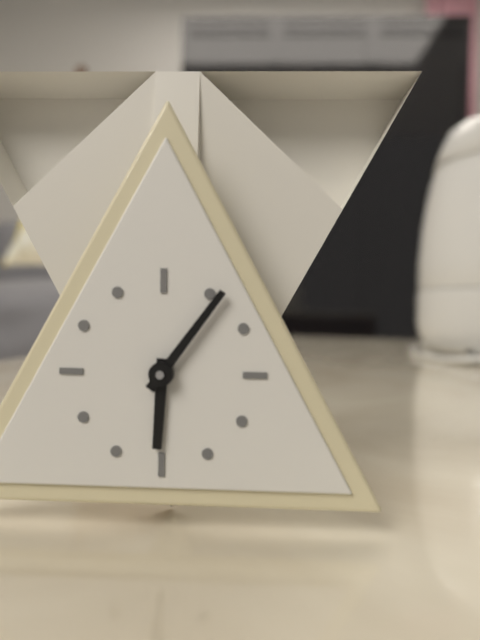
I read h=6 m=6
